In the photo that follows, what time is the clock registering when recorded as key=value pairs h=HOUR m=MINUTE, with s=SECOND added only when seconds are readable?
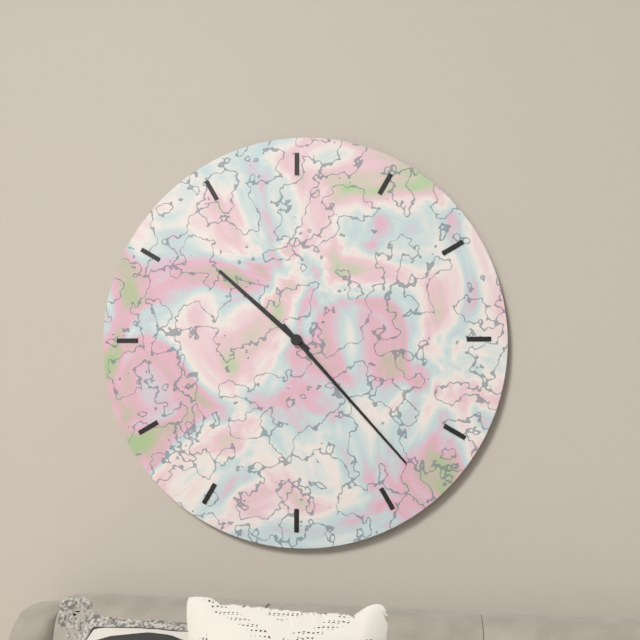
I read h=10 m=23
